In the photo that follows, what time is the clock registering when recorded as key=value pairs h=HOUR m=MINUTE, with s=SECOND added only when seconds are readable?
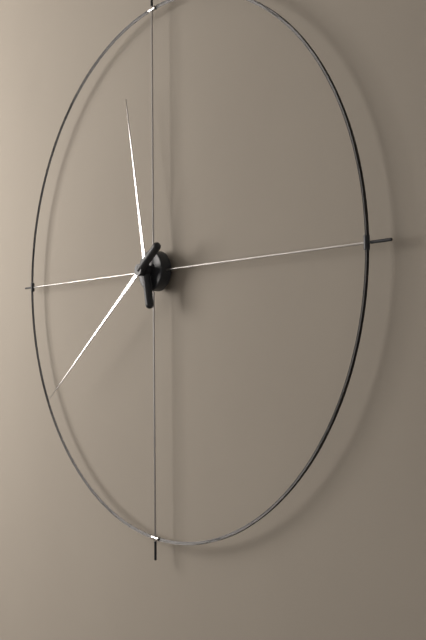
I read h=11 m=39
